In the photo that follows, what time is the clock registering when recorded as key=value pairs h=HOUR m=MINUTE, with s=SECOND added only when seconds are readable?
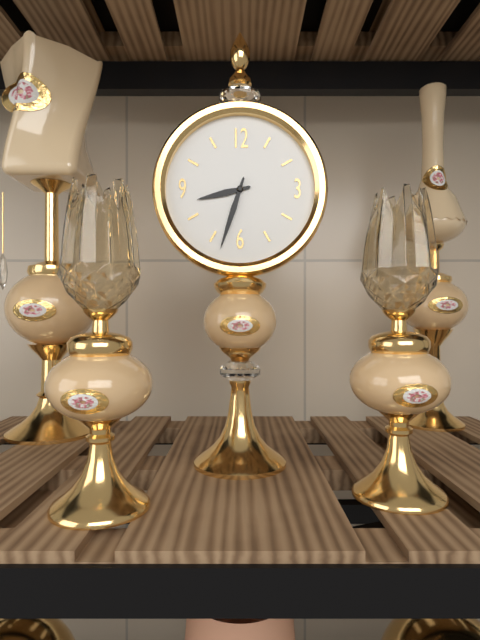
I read h=8 m=33
